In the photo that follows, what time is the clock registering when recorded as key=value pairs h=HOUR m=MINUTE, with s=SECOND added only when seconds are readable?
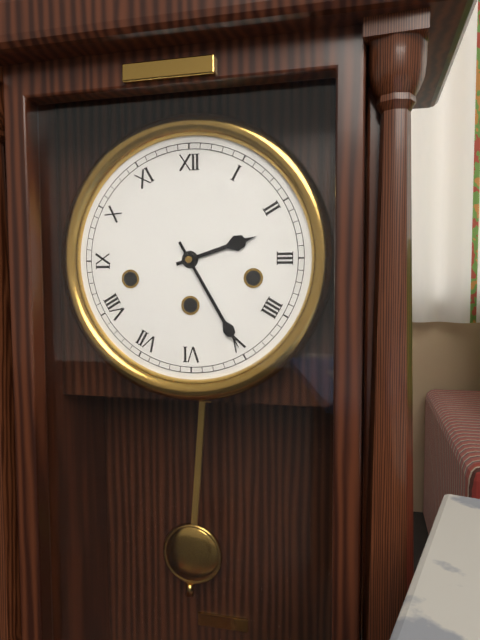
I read h=2 m=25
